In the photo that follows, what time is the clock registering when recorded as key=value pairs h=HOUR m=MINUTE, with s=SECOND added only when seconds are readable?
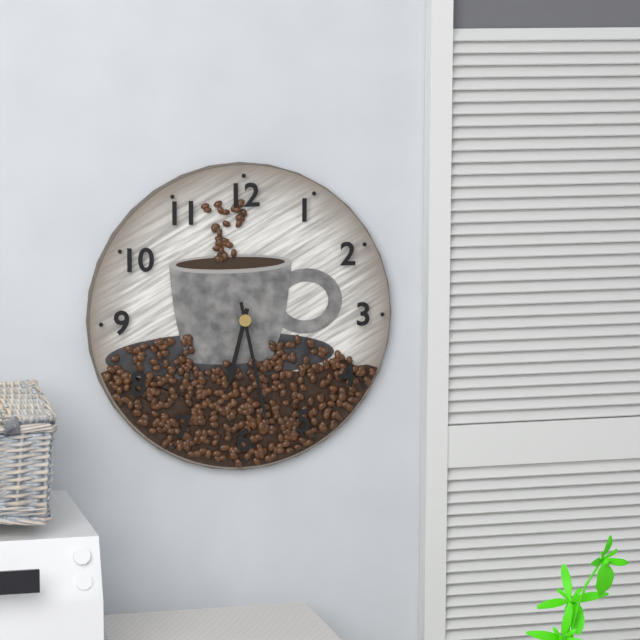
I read h=6 m=28
